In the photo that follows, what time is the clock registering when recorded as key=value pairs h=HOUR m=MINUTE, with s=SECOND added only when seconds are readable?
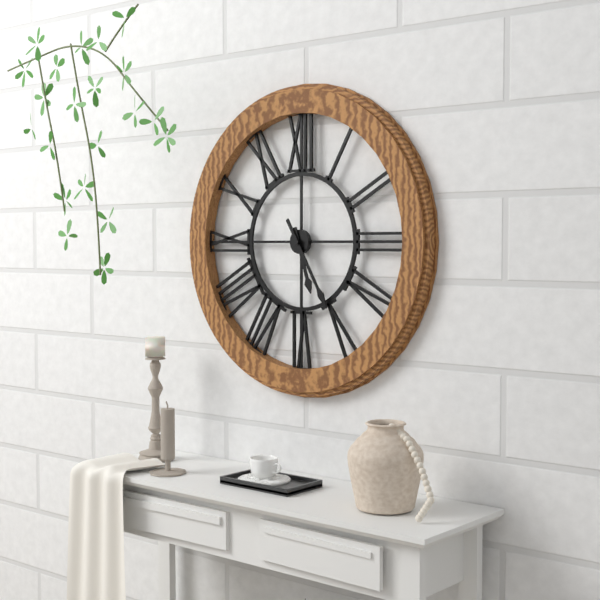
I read h=5 m=25
